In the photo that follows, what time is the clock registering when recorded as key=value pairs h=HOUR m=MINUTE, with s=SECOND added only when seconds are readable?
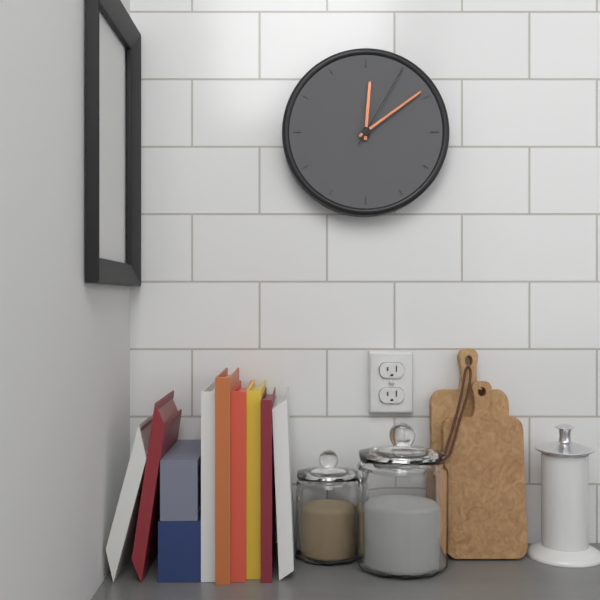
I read h=12 m=9 s=5
